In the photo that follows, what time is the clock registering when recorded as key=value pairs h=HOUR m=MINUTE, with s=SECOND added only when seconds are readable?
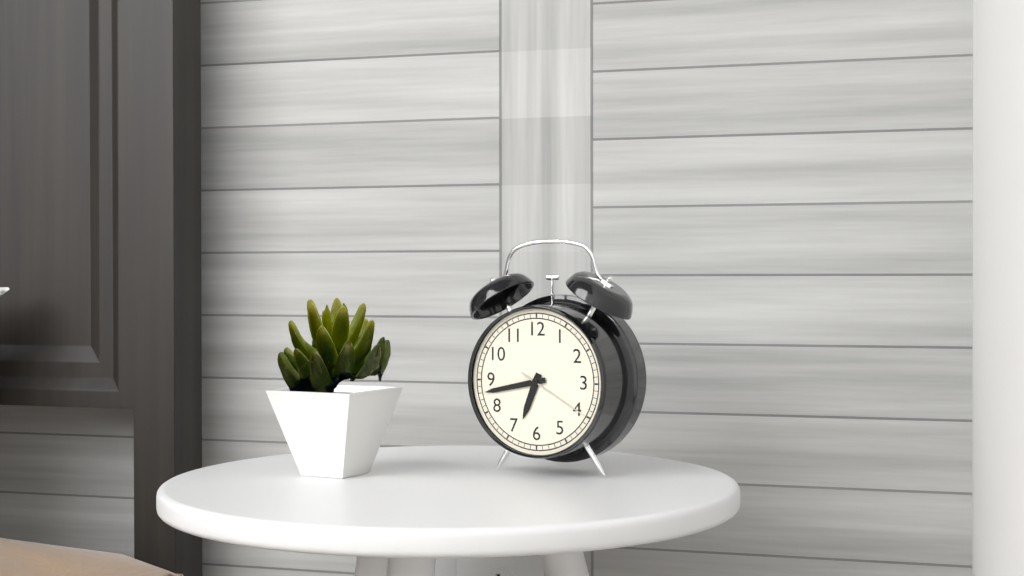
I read h=6 m=43 s=20
